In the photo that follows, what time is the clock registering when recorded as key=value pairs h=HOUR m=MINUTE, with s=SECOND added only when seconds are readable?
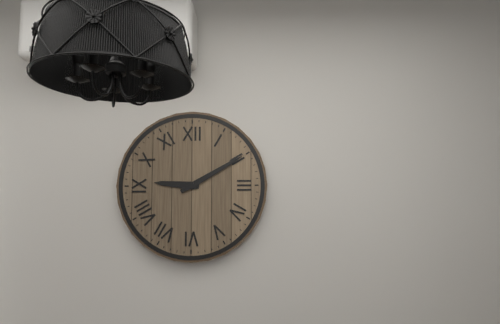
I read h=9 m=10
